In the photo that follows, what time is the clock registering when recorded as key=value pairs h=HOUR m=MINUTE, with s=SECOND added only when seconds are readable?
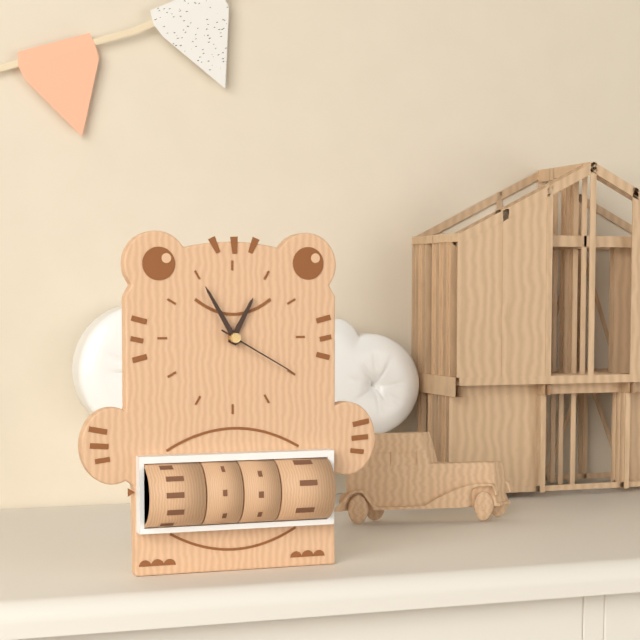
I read h=12 m=55 s=20
